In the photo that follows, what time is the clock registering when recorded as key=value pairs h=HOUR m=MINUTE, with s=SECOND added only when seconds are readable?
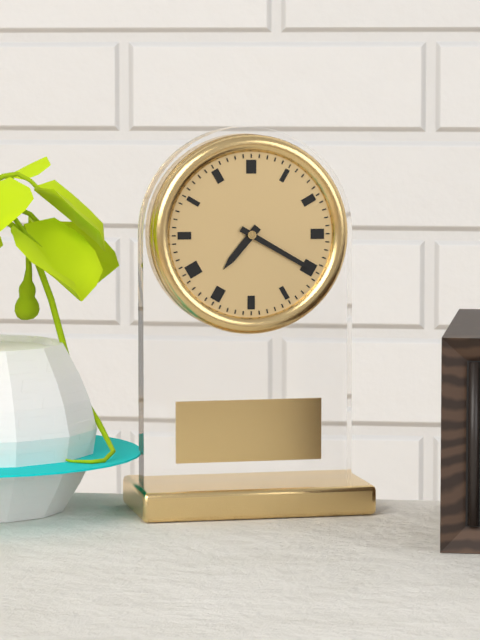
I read h=7 m=20
